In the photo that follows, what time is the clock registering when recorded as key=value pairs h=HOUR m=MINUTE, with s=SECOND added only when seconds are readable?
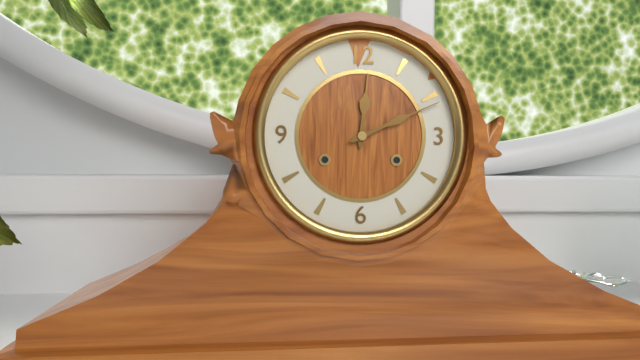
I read h=12 m=11
